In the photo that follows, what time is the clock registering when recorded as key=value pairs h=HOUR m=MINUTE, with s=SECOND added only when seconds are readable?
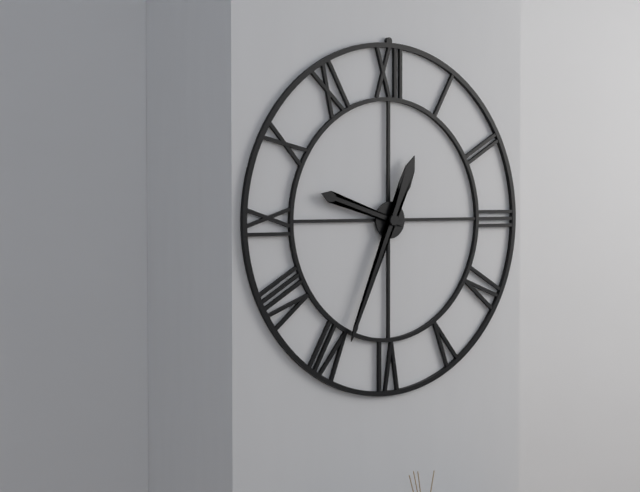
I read h=9 m=34
